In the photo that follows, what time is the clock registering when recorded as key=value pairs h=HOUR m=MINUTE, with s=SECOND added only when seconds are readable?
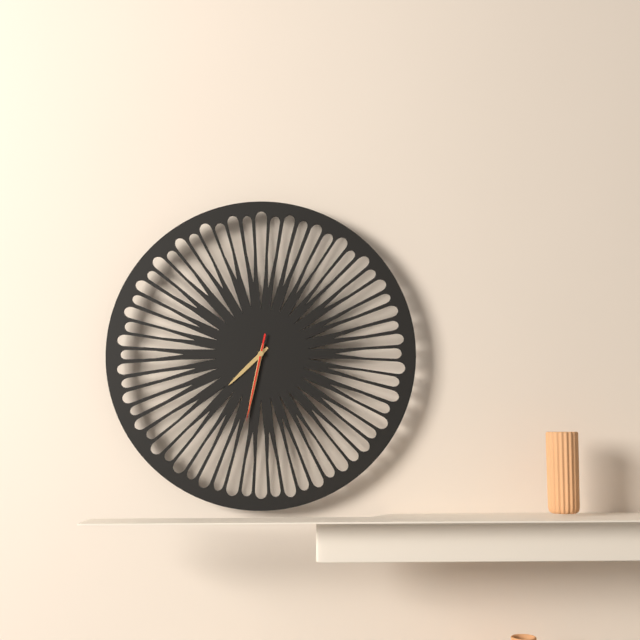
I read h=7 m=32 s=32
